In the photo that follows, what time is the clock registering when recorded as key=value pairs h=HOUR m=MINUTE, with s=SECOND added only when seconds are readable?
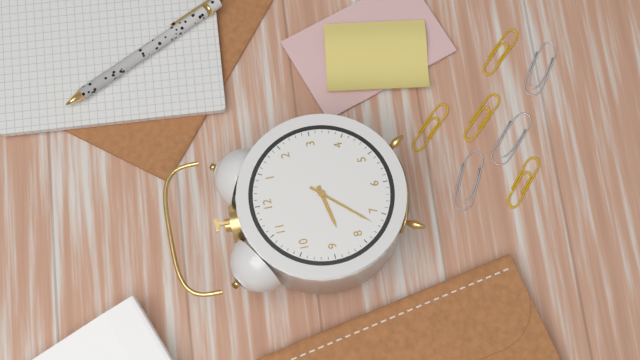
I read h=8 m=37
